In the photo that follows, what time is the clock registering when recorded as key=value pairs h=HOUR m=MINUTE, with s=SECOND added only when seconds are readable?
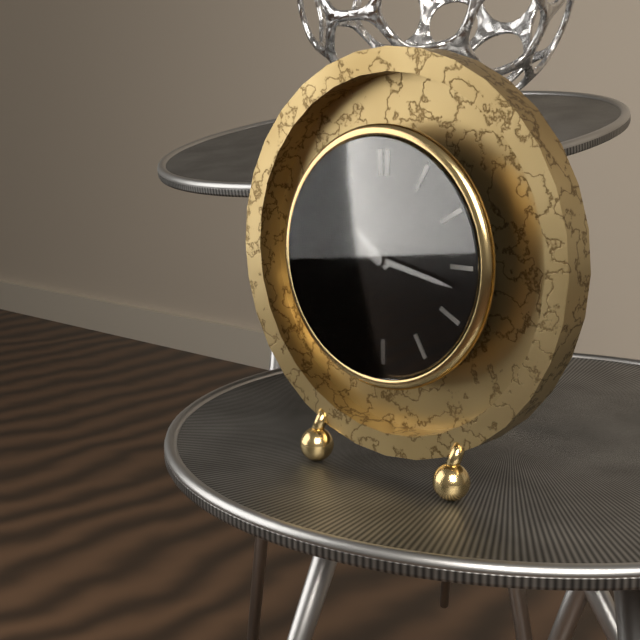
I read h=10 m=17
